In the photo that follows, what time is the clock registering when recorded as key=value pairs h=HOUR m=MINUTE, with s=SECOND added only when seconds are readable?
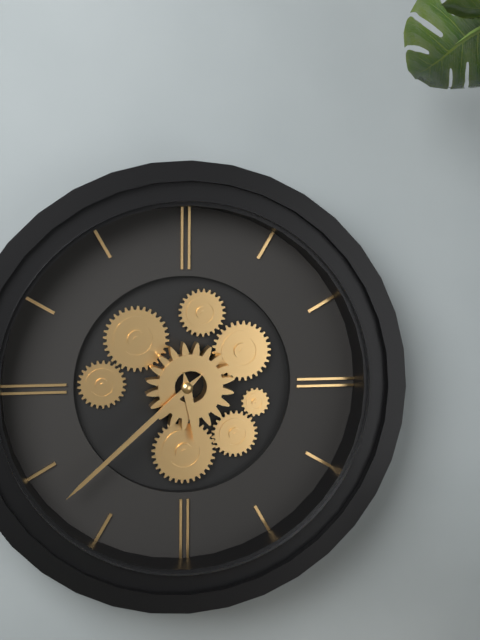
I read h=5 m=38
